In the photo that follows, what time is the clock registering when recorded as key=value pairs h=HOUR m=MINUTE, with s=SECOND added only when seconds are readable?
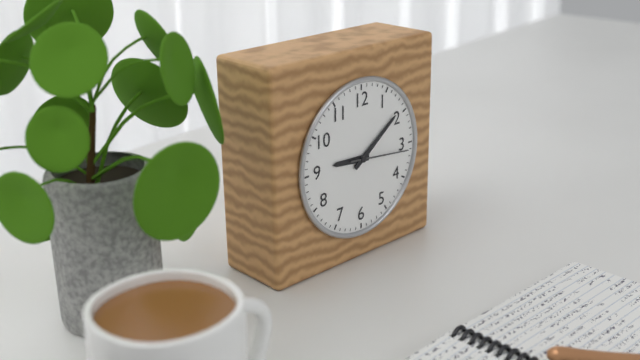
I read h=9 m=9 s=16
